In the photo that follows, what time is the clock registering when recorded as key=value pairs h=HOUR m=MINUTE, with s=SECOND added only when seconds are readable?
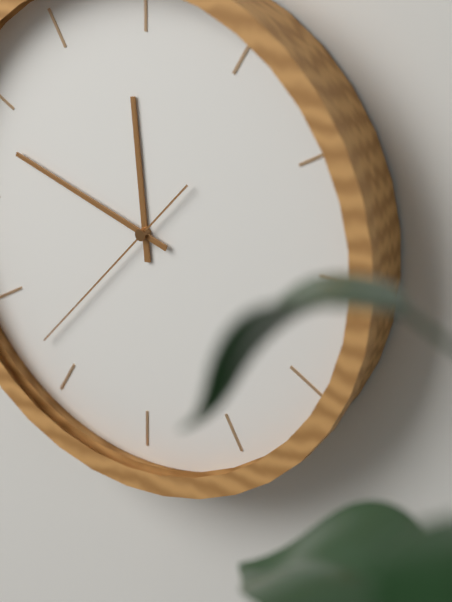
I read h=11 m=48 s=37
